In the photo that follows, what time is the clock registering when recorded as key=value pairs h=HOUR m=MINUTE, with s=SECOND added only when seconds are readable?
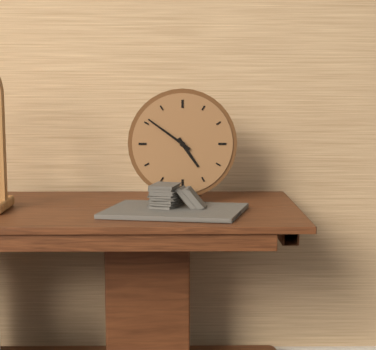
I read h=4 m=51
